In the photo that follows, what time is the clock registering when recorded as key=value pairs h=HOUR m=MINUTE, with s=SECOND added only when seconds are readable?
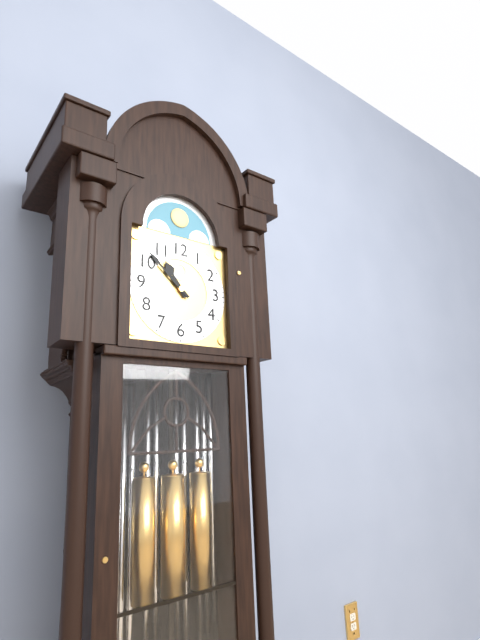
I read h=10 m=52
